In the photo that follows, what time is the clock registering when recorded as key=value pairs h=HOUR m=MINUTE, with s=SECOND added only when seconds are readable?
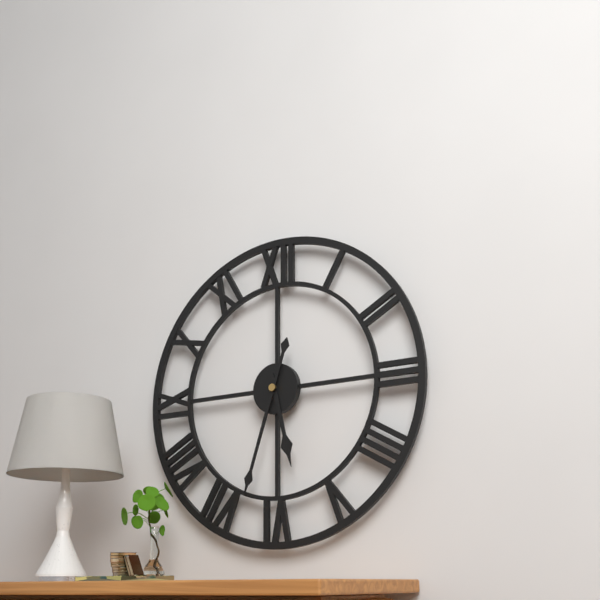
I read h=5 m=33
